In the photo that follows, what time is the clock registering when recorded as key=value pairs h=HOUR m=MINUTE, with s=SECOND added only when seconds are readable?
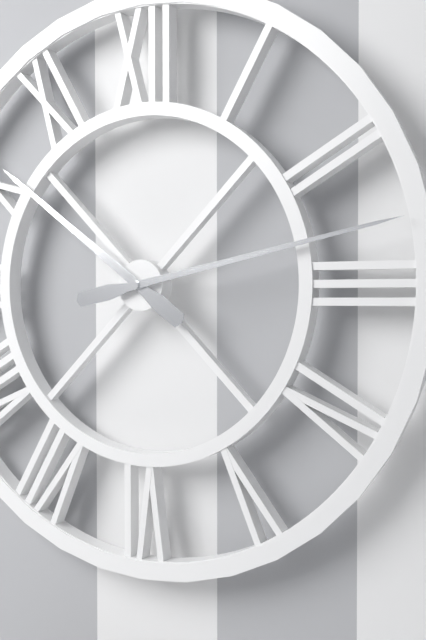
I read h=10 m=13
